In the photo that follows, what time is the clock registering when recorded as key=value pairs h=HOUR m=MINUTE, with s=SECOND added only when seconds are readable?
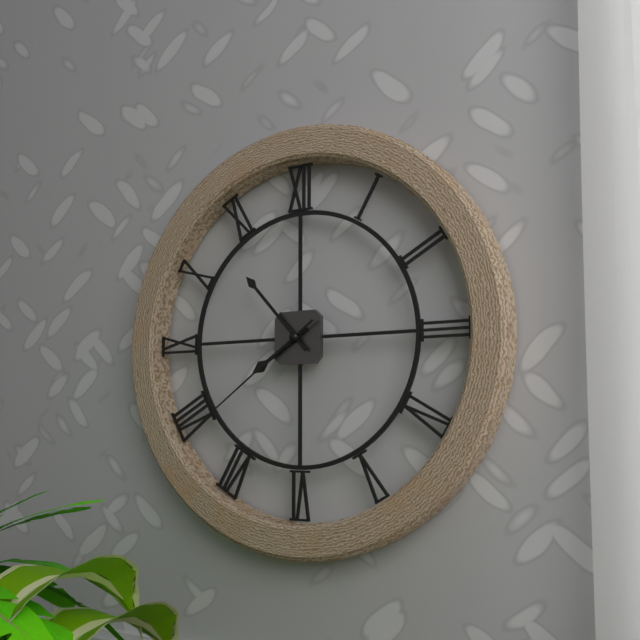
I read h=7 m=53 s=39
